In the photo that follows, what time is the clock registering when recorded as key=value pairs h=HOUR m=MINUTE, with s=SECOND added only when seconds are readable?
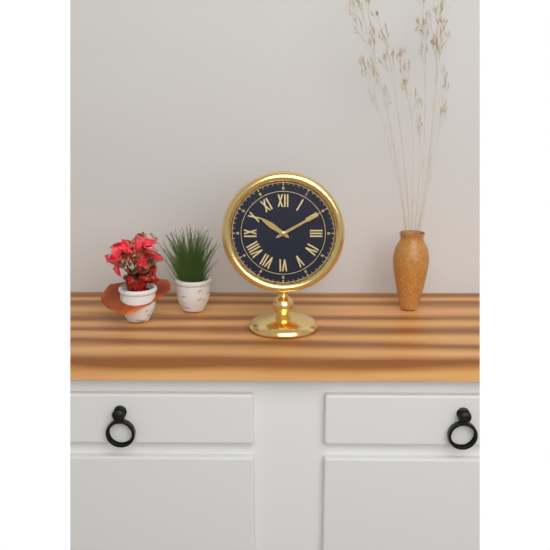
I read h=10 m=10
